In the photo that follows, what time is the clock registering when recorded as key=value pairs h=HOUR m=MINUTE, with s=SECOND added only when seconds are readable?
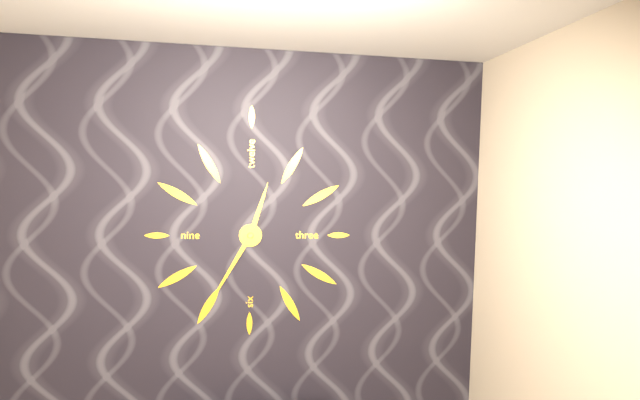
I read h=12 m=35
